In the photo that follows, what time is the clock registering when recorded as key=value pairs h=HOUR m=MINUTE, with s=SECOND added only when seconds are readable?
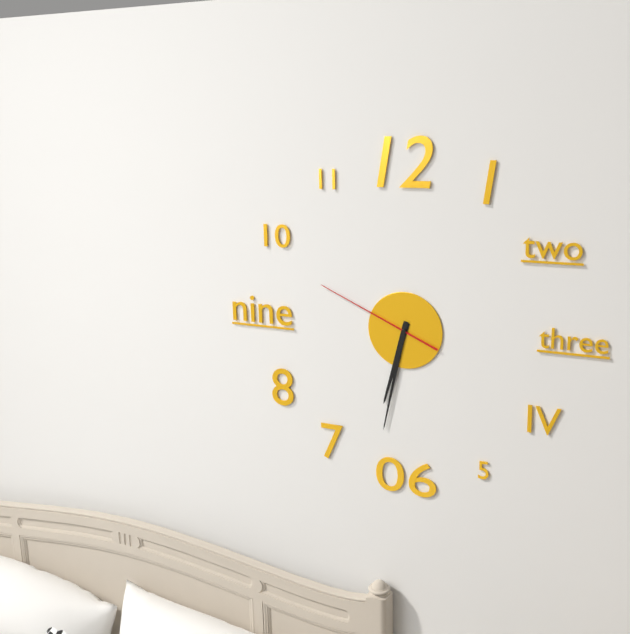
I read h=6 m=32 s=49
